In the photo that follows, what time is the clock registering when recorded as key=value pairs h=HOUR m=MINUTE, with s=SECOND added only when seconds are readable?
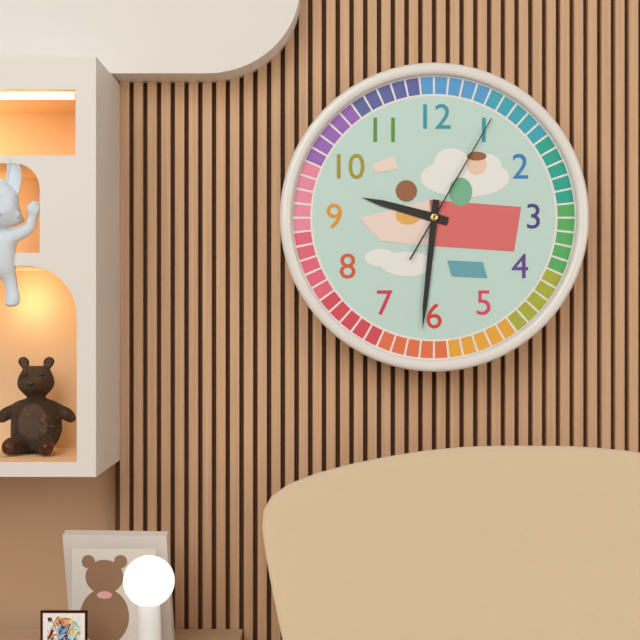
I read h=9 m=31 s=5
